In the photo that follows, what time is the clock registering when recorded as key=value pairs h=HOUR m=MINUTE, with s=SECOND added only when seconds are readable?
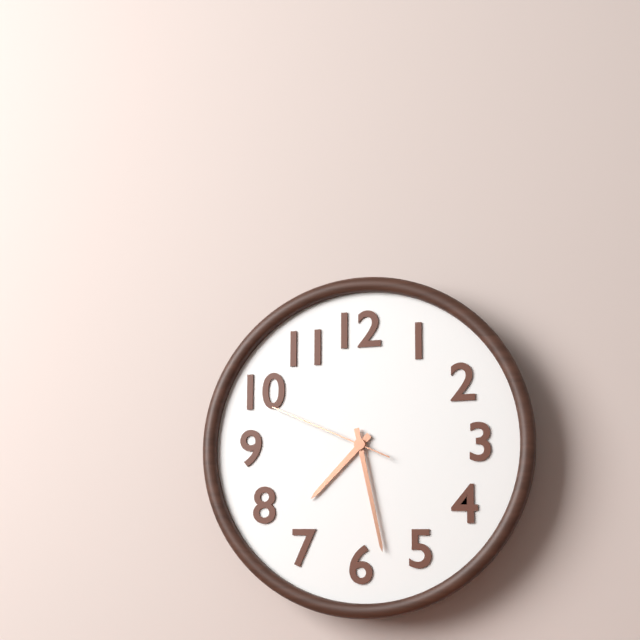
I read h=7 m=28 s=49
